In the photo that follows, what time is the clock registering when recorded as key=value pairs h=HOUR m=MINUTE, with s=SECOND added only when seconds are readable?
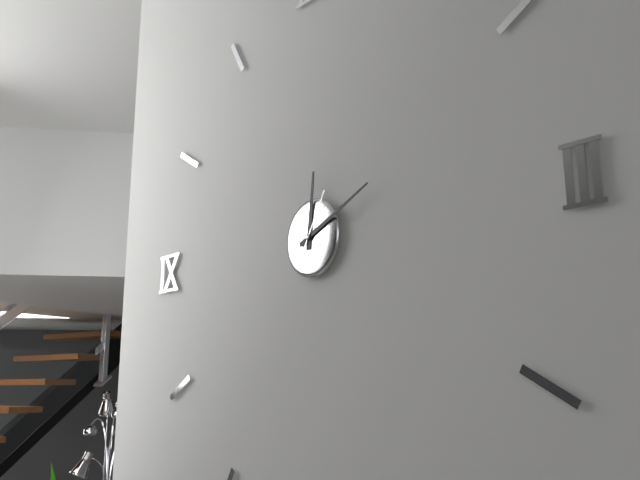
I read h=12 m=11 s=5
